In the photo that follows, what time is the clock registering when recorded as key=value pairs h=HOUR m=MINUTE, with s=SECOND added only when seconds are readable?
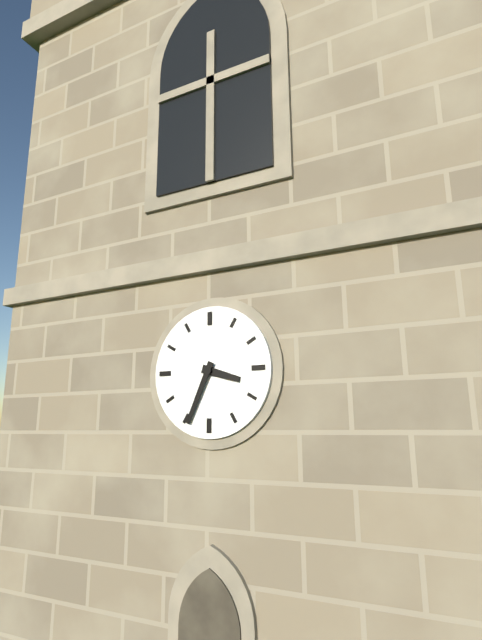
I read h=3 m=34
